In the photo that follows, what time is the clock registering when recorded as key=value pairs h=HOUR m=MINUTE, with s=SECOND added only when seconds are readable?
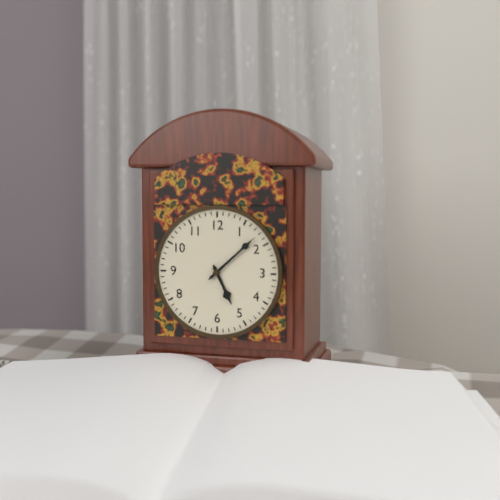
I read h=5 m=8
